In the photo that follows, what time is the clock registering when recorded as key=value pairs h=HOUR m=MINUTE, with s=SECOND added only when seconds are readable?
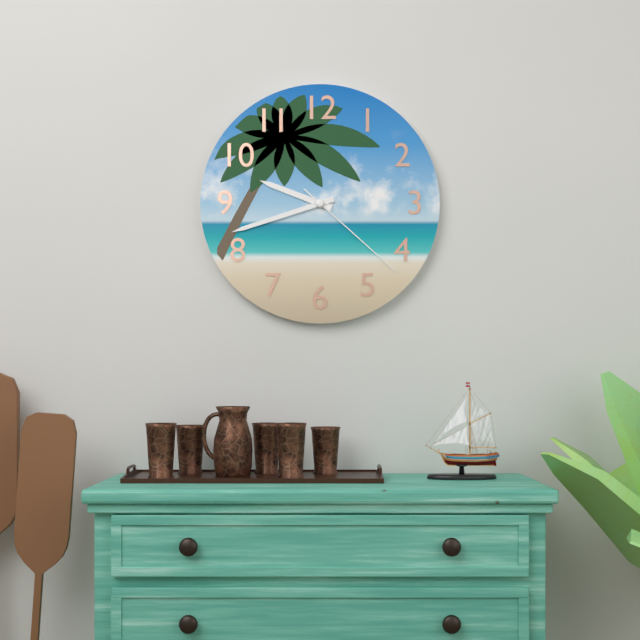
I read h=9 m=42 s=22
